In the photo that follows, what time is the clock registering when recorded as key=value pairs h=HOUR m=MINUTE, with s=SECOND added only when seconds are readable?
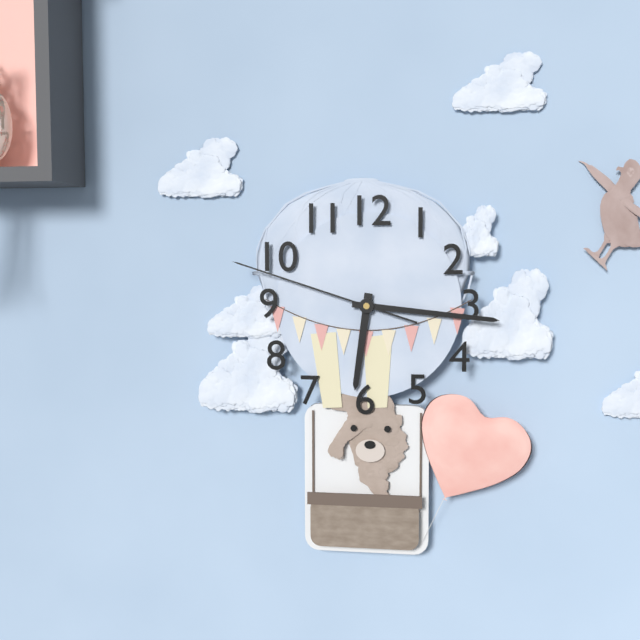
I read h=6 m=16 s=48
